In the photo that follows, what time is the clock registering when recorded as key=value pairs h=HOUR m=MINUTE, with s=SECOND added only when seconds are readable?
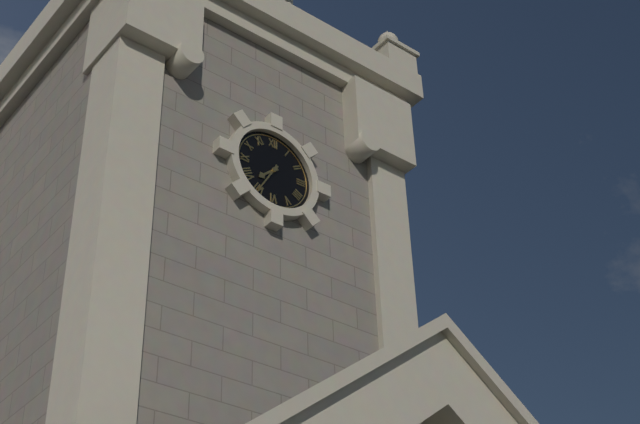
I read h=7 m=35
